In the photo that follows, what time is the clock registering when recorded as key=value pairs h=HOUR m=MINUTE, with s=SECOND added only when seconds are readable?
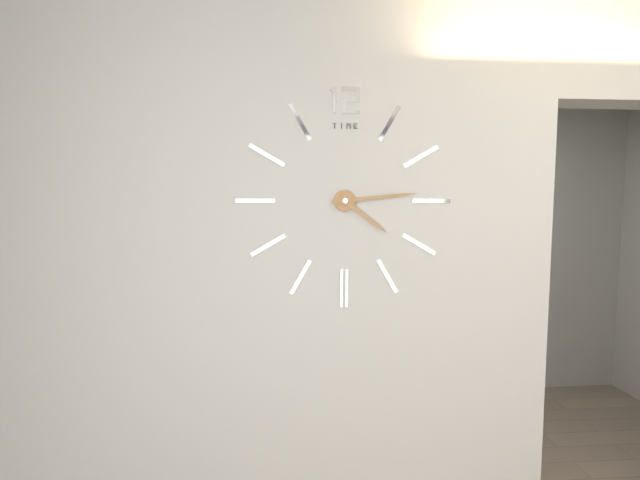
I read h=4 m=14
